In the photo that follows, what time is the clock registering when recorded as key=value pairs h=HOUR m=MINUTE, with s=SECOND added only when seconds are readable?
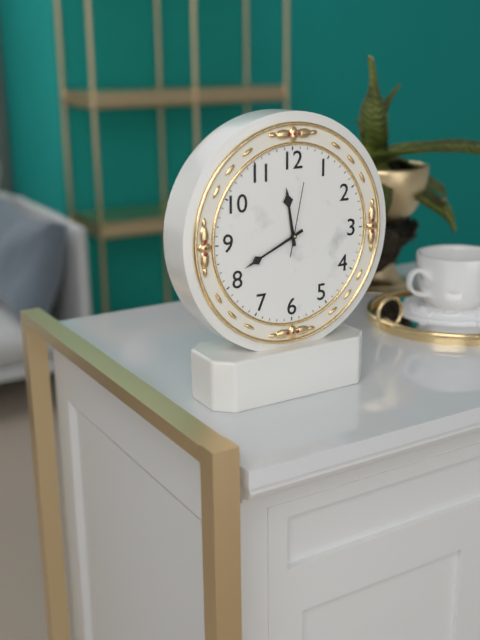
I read h=11 m=41 s=2
